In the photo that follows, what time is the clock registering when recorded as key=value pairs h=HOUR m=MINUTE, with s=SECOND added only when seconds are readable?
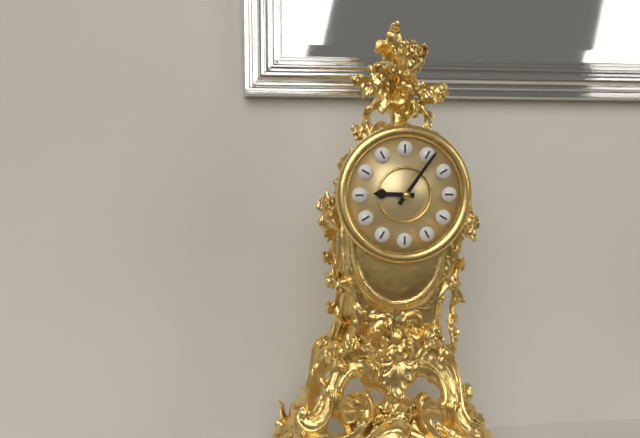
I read h=9 m=6
